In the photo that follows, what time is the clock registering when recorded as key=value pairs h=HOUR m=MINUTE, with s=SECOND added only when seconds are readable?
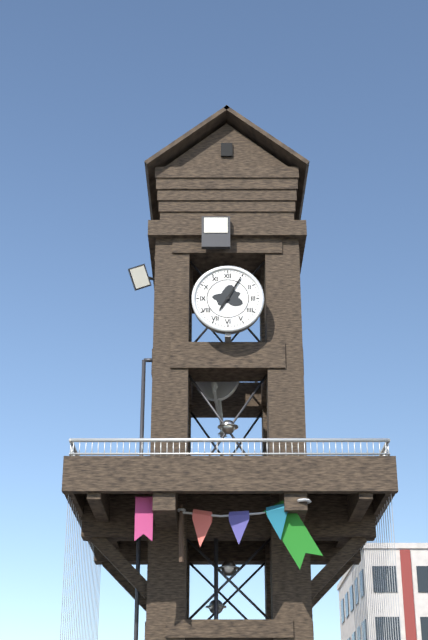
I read h=7 m=5
